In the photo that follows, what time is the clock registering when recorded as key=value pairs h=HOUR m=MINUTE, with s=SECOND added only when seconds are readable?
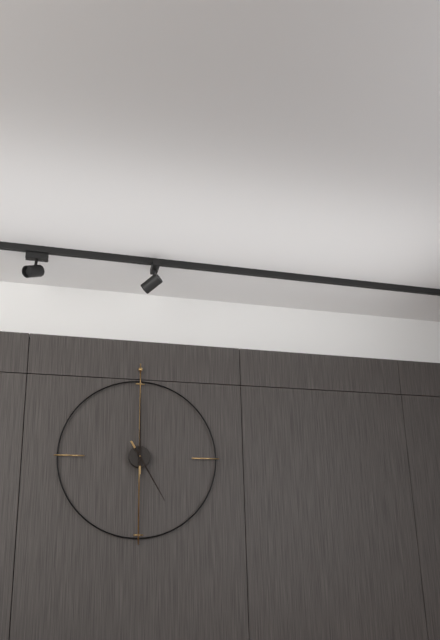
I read h=5 m=0
